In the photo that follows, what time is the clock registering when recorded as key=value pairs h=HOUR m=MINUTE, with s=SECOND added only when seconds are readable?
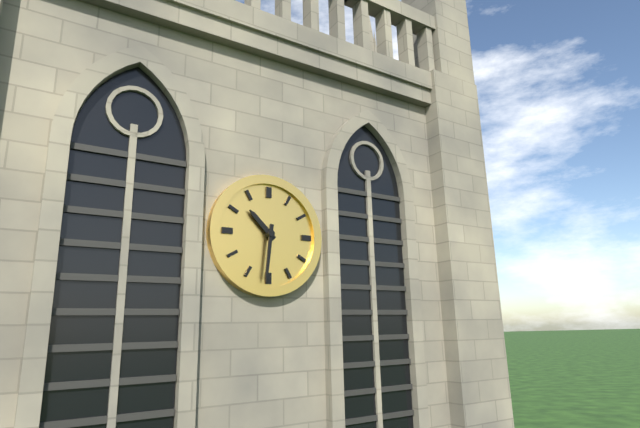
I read h=10 m=31
